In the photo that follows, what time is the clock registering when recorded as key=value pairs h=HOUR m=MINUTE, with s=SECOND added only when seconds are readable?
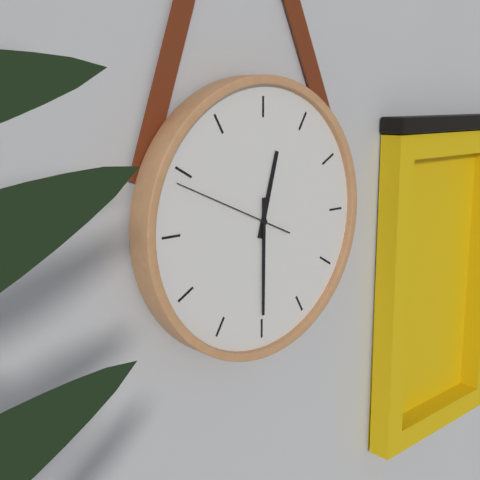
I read h=12 m=30 s=49
